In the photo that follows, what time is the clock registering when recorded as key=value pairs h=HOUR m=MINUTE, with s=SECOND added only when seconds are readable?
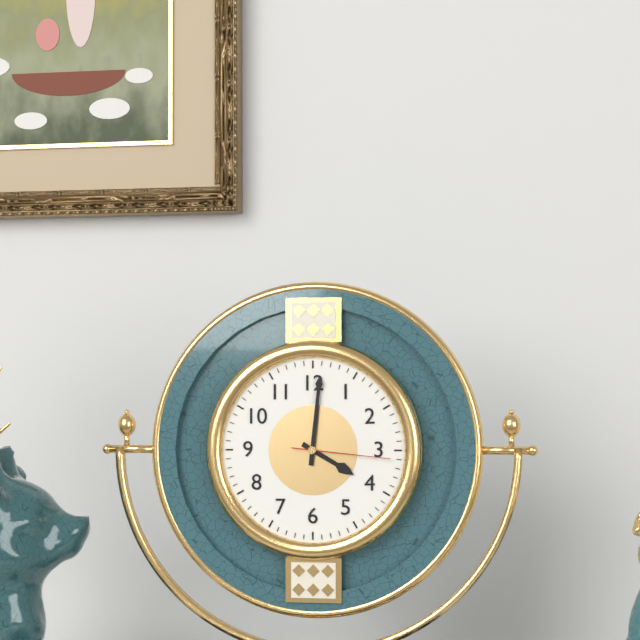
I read h=4 m=1 s=16
